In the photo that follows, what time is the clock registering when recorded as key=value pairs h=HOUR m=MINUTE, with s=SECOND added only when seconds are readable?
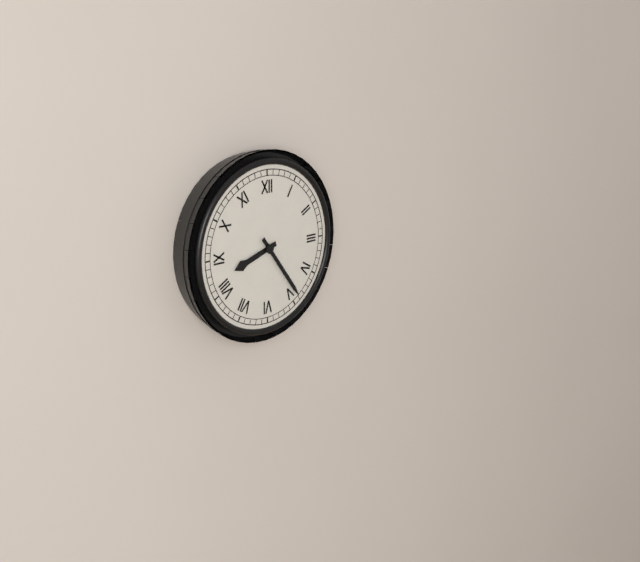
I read h=8 m=24
